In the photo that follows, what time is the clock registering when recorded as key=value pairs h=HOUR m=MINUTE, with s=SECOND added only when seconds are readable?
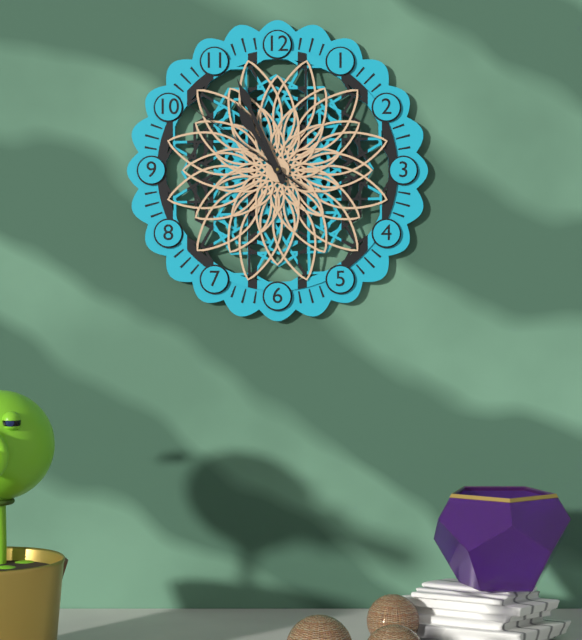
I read h=10 m=56 s=51
